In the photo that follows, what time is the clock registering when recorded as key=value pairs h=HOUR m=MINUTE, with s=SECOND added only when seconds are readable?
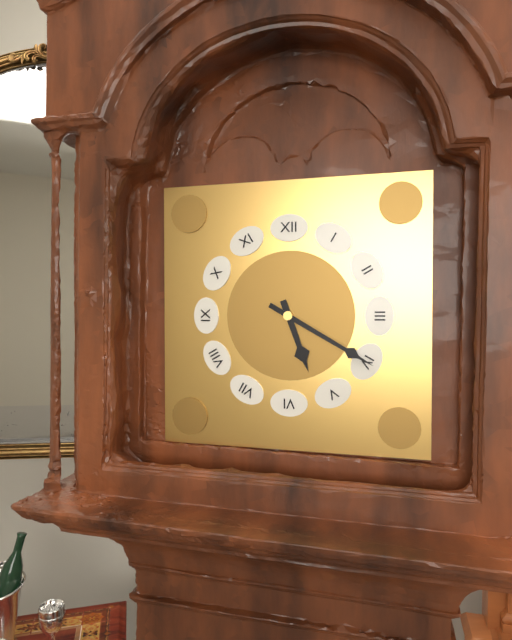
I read h=5 m=20
